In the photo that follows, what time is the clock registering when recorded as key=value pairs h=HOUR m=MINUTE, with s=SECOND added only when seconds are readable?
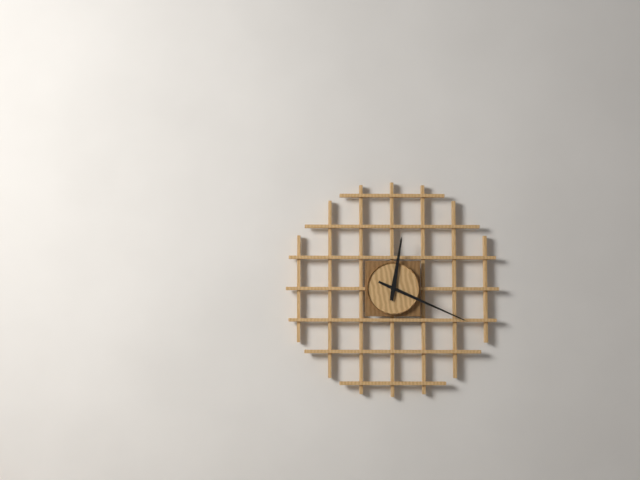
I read h=12 m=19
